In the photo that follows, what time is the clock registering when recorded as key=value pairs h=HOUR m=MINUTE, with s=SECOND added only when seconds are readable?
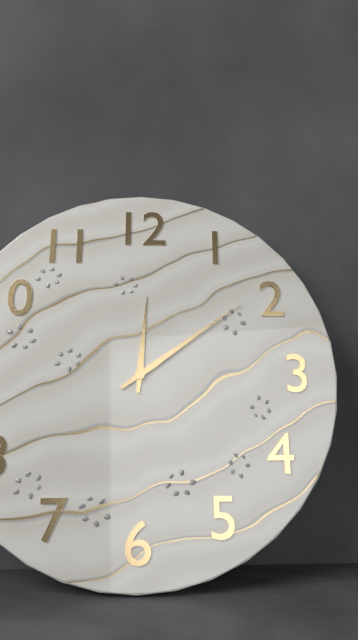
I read h=12 m=9
